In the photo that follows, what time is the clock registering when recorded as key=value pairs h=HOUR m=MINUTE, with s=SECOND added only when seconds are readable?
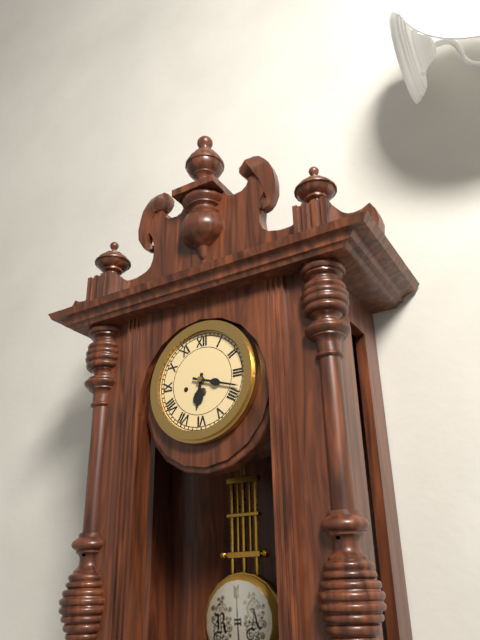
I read h=6 m=18
